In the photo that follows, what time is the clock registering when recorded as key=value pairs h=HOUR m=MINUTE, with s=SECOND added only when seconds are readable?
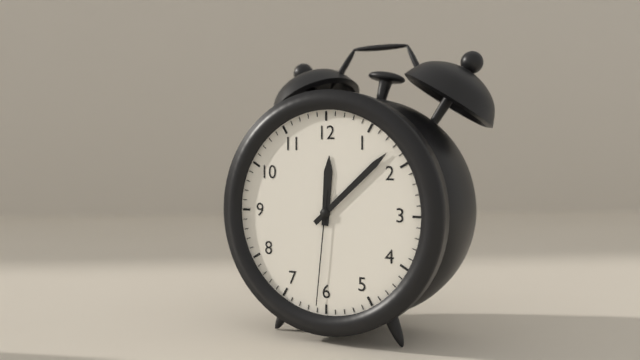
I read h=12 m=8 s=31
